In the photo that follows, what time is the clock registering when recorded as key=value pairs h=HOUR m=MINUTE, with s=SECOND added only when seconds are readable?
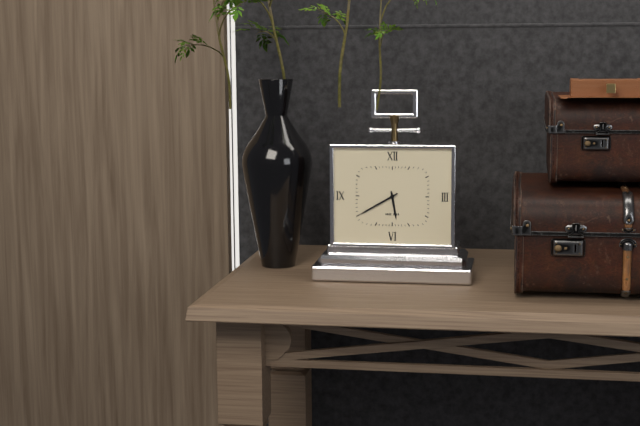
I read h=5 m=40
